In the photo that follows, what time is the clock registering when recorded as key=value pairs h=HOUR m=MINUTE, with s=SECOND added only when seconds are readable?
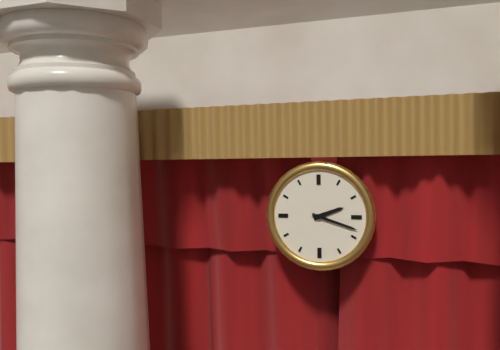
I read h=2 m=18
